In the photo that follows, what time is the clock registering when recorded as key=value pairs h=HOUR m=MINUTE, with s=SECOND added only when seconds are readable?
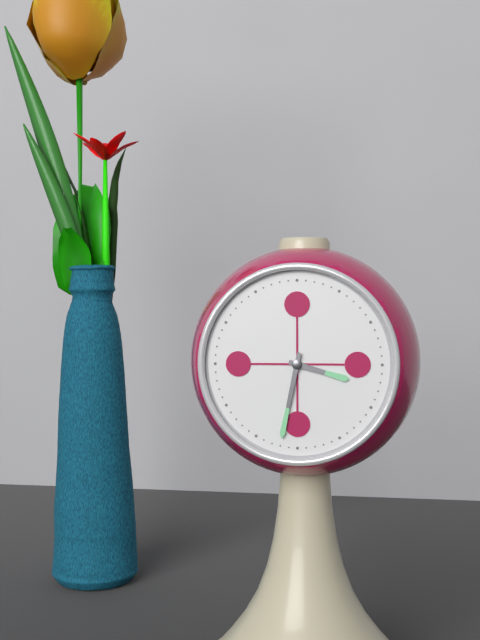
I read h=3 m=32
